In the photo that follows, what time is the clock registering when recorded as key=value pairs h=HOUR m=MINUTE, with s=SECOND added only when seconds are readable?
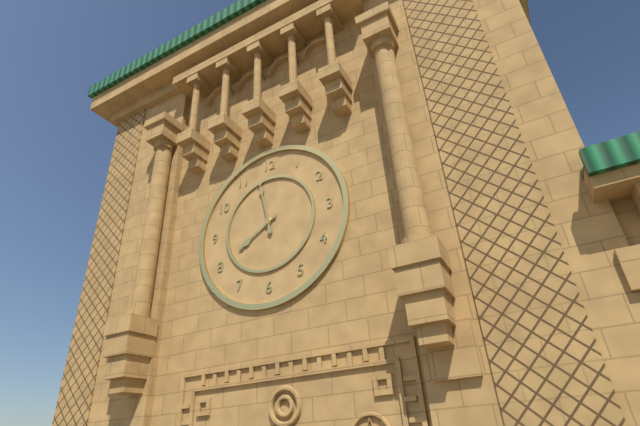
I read h=7 m=58
